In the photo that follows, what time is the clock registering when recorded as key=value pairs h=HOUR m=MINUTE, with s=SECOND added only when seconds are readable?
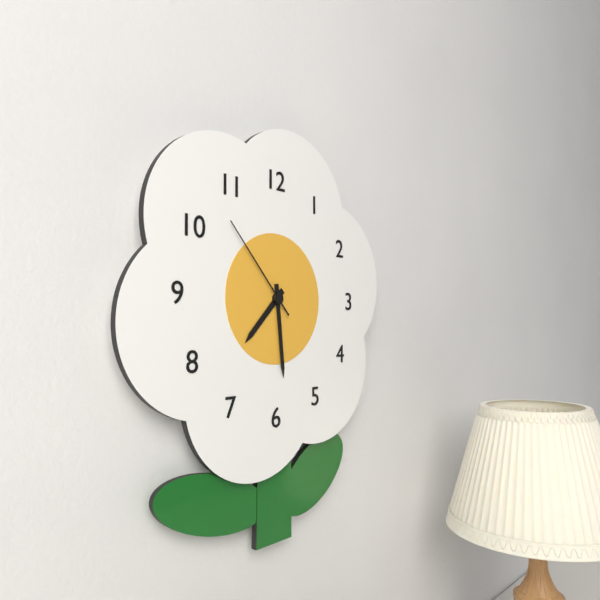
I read h=7 m=29 s=53
